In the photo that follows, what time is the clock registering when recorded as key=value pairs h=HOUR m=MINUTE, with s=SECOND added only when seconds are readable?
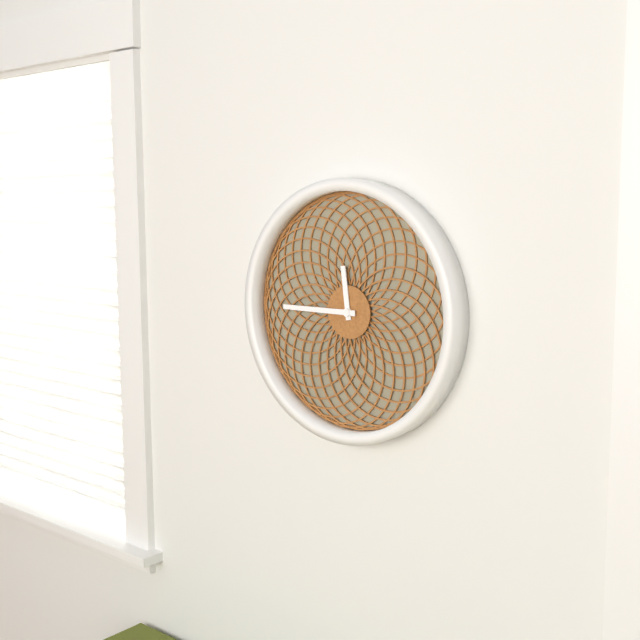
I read h=11 m=45
